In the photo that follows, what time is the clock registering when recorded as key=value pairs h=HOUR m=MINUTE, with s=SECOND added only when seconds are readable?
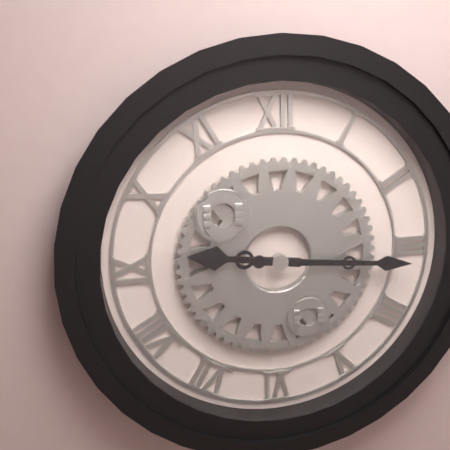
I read h=9 m=16
